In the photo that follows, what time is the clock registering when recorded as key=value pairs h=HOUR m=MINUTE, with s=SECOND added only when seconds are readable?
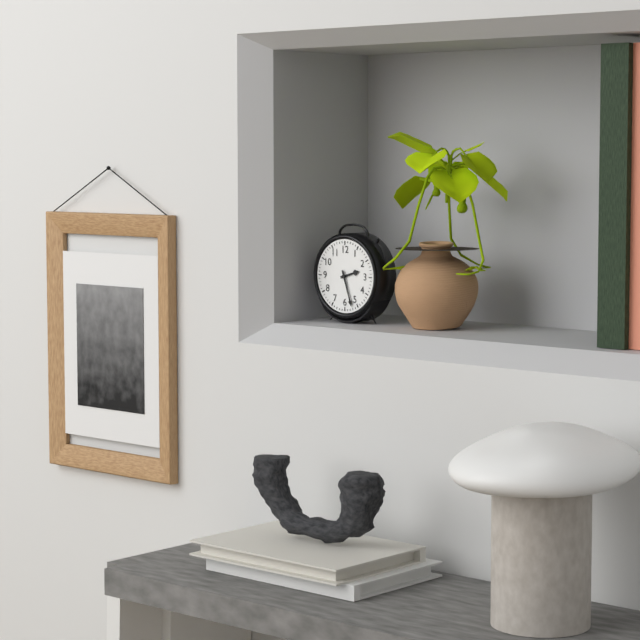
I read h=2 m=27
